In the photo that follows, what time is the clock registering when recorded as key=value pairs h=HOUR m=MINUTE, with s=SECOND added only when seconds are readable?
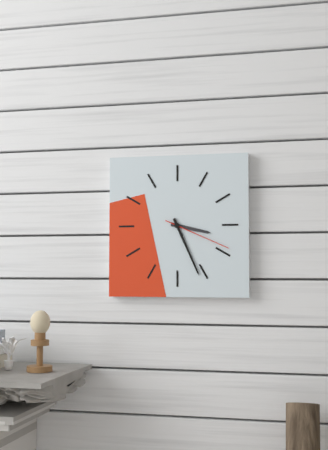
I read h=3 m=26 s=19
